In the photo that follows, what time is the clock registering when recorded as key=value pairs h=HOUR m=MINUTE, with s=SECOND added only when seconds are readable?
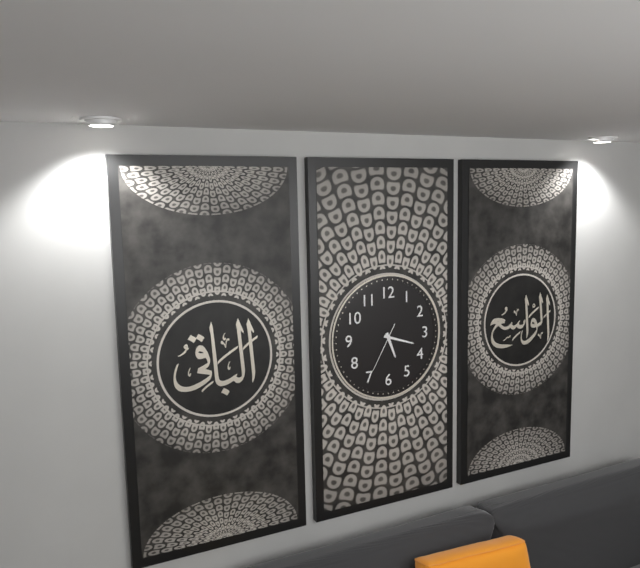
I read h=5 m=18
